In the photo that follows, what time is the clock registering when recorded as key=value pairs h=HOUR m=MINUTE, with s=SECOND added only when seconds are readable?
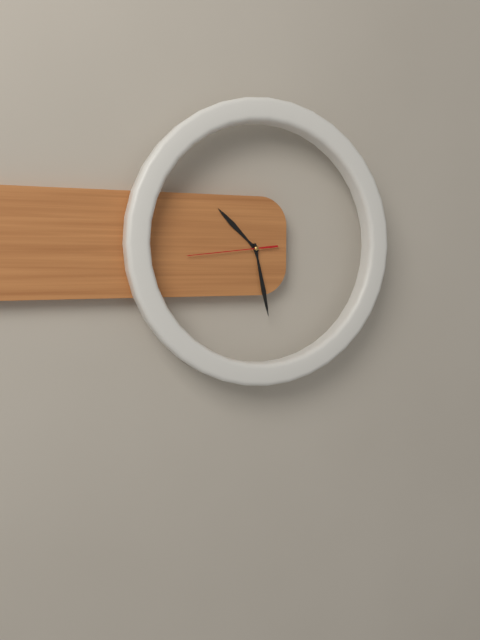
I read h=10 m=28 s=44
